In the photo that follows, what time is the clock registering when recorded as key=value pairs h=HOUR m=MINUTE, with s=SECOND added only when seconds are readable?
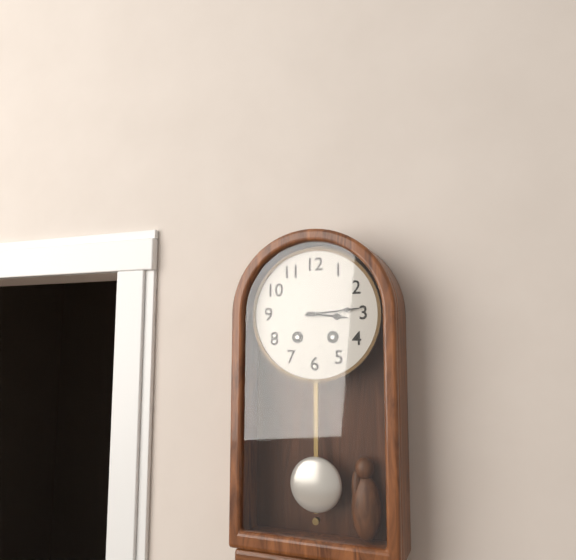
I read h=3 m=14
